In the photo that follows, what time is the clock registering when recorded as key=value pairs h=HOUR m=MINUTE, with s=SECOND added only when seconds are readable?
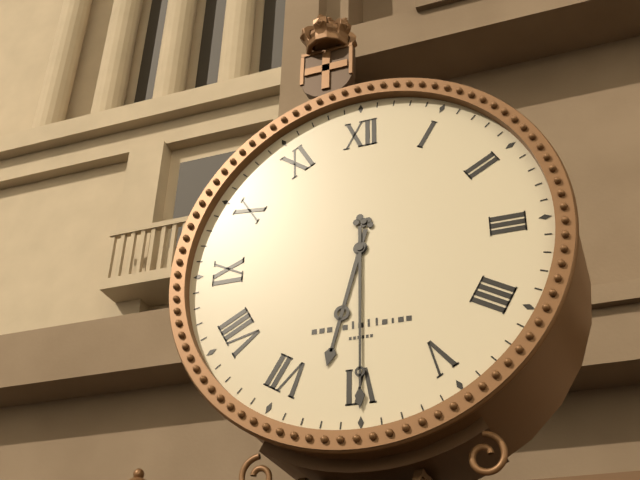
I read h=6 m=30
